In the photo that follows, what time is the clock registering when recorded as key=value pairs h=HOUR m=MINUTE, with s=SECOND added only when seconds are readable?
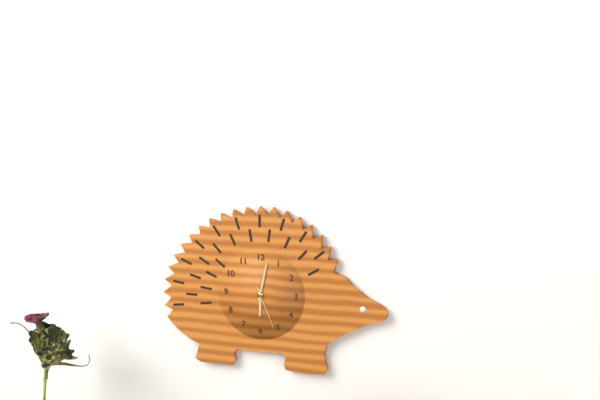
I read h=6 m=2
